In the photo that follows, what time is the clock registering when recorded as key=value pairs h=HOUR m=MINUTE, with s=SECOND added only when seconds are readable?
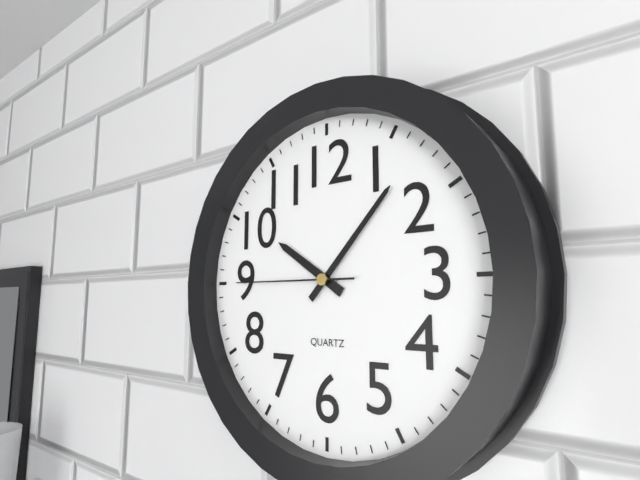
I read h=10 m=7 s=45
